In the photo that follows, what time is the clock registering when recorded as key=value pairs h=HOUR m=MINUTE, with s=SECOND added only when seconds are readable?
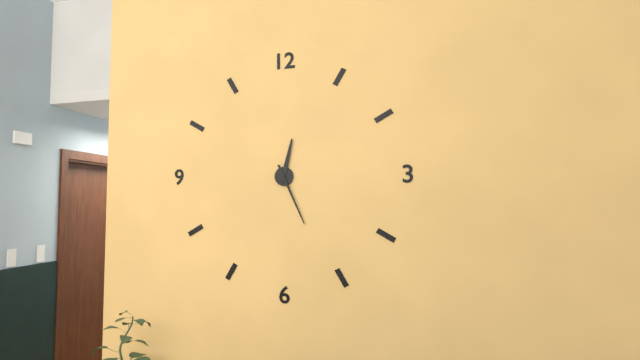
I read h=12 m=26
